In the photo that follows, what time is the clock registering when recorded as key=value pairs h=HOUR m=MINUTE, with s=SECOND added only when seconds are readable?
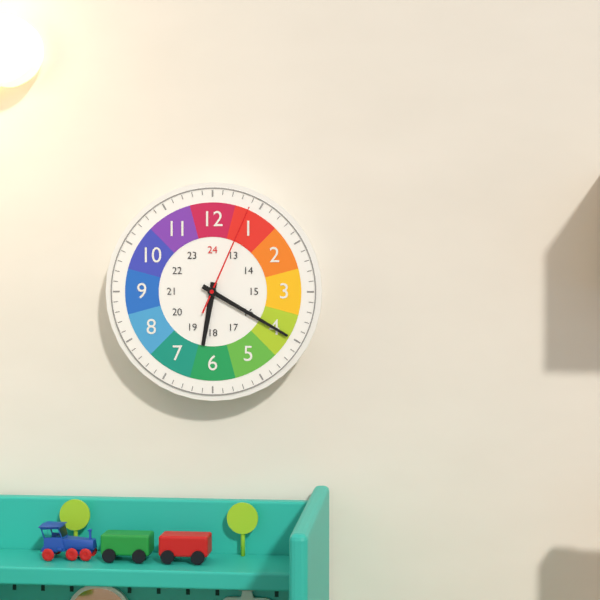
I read h=6 m=20 s=4
